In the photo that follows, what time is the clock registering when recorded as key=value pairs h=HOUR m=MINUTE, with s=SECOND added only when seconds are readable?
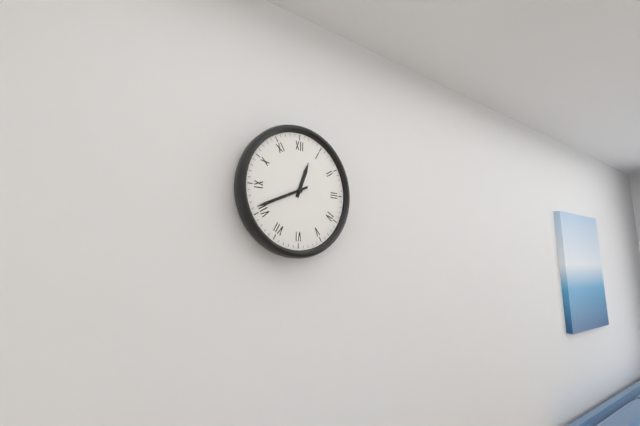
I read h=12 m=41
